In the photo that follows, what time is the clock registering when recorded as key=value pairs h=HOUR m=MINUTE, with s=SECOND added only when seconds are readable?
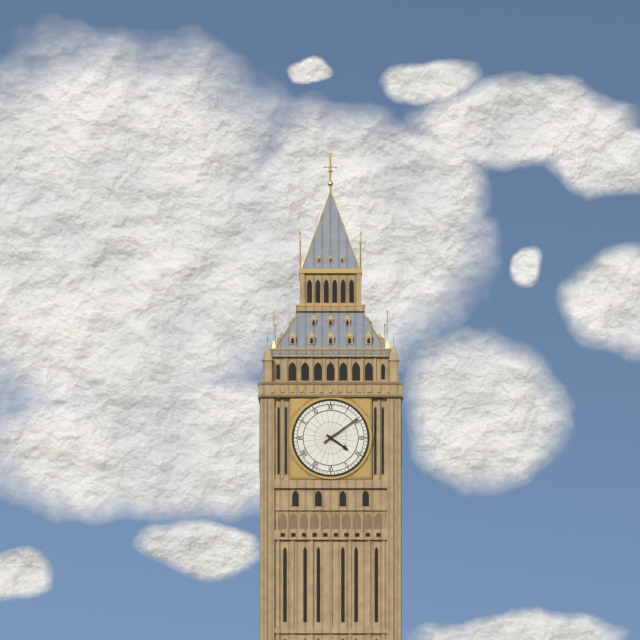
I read h=4 m=9
